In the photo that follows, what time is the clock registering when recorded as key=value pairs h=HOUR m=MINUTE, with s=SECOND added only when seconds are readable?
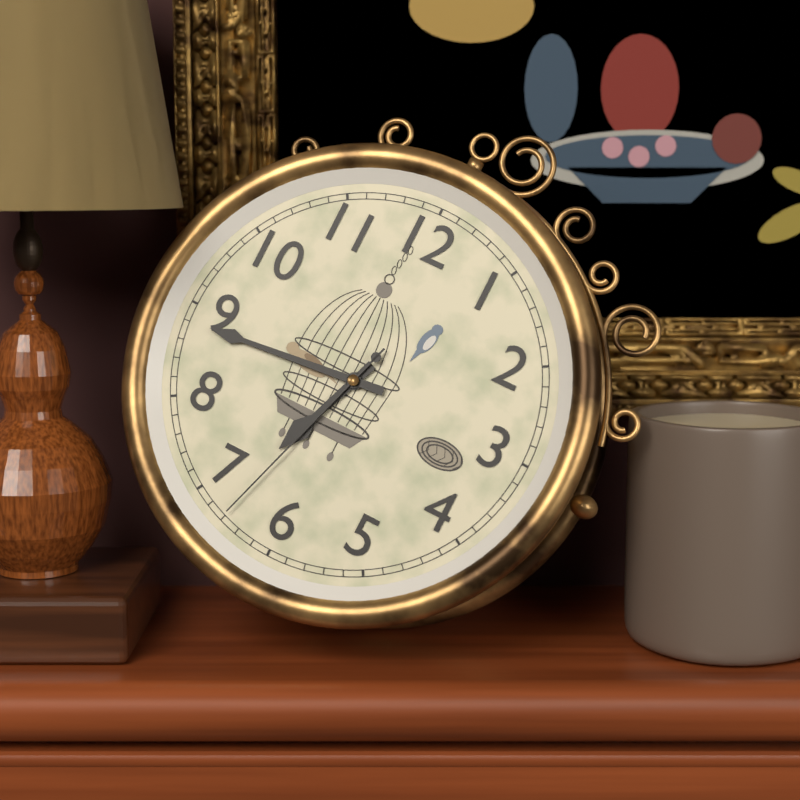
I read h=6 m=44 s=33
